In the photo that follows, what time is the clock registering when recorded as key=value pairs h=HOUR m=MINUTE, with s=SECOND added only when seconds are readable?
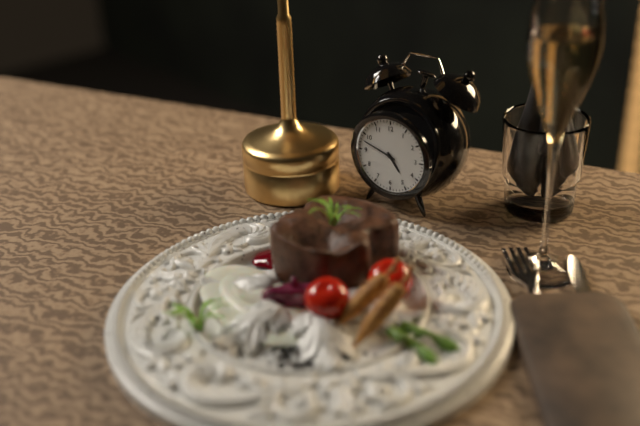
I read h=4 m=48
